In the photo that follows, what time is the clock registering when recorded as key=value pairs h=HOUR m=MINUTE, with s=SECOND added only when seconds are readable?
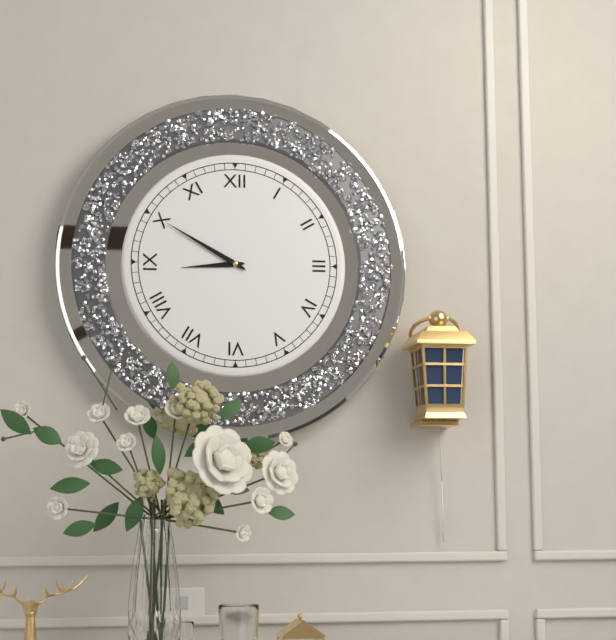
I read h=8 m=50
